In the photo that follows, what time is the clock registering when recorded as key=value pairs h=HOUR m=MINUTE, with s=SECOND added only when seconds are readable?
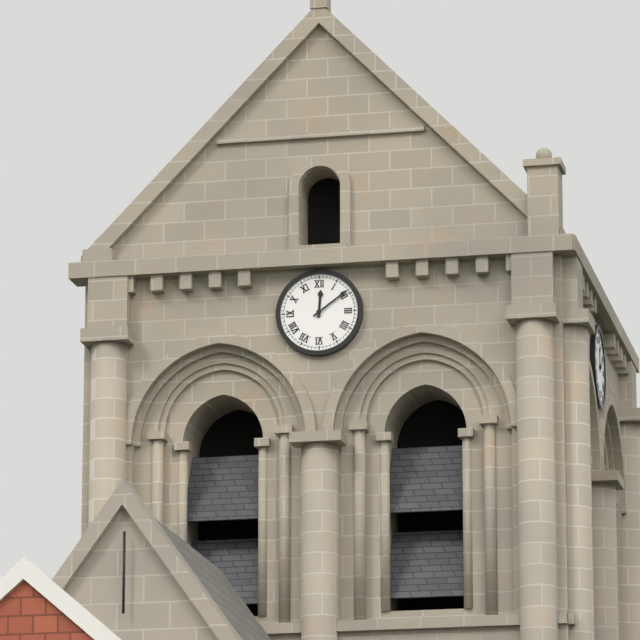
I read h=12 m=9
